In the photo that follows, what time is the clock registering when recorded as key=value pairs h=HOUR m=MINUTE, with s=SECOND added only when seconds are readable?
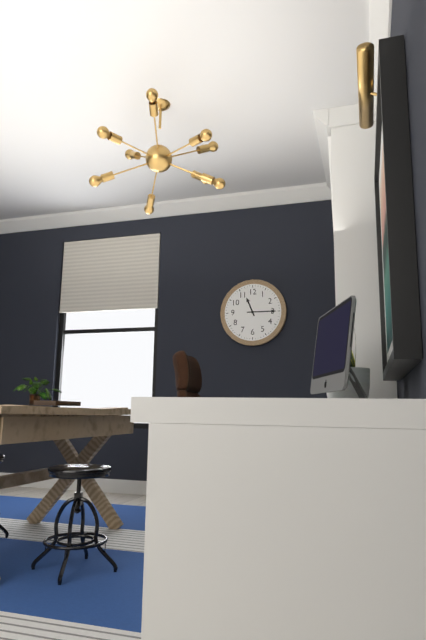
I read h=11 m=15
